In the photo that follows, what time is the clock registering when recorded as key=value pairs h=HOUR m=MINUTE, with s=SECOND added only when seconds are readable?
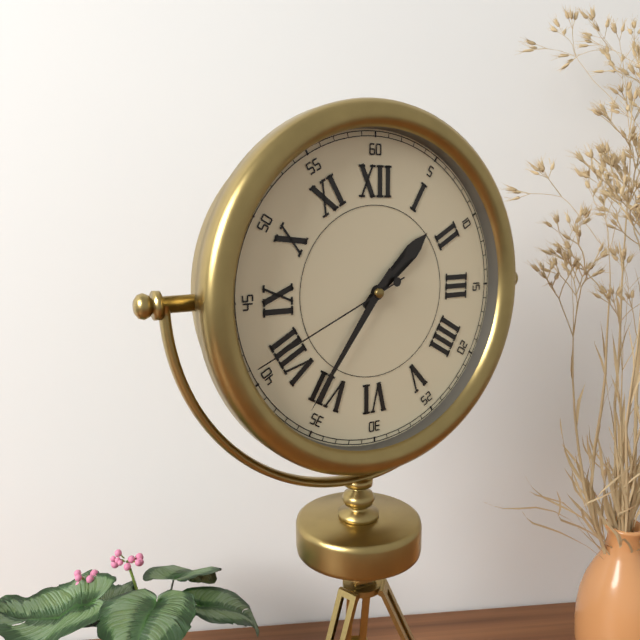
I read h=1 m=36 s=41
